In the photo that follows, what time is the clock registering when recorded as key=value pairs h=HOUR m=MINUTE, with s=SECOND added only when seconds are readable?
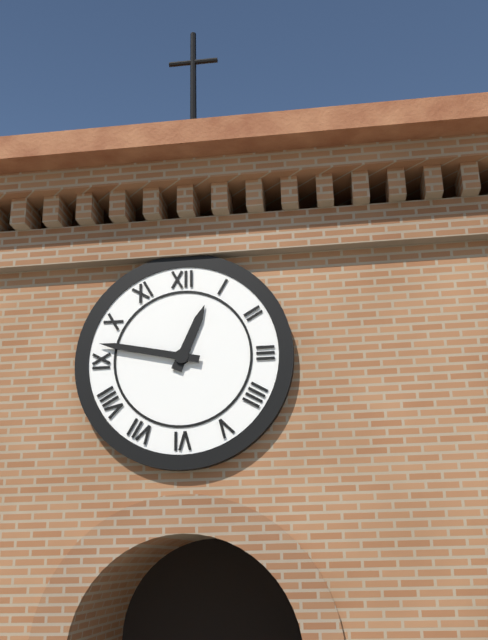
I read h=12 m=47
